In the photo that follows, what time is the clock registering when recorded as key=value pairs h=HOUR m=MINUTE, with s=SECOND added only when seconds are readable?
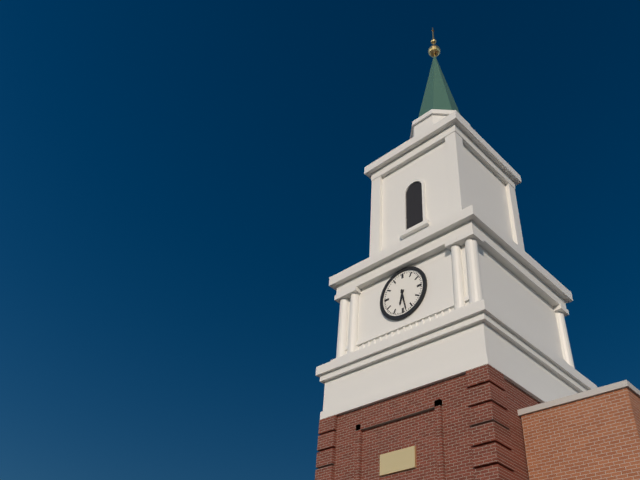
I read h=6 m=28
